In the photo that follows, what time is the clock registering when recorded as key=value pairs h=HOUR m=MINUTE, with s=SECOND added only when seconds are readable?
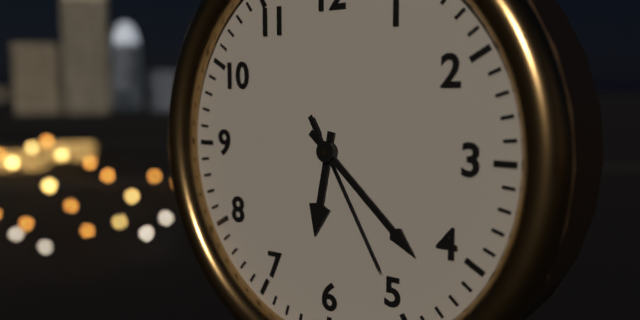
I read h=6 m=22 s=25
